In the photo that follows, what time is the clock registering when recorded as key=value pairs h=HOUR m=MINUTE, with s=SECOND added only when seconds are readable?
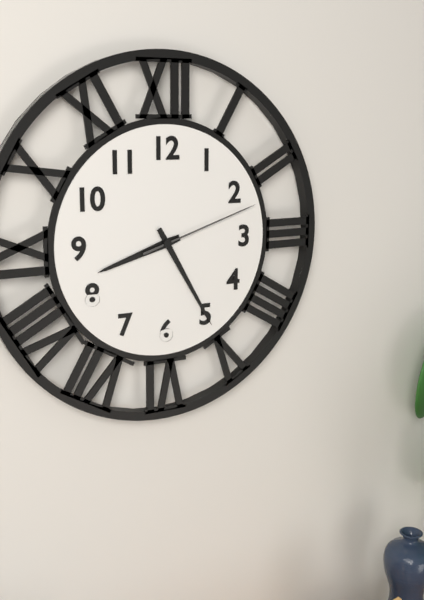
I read h=8 m=25 s=12
